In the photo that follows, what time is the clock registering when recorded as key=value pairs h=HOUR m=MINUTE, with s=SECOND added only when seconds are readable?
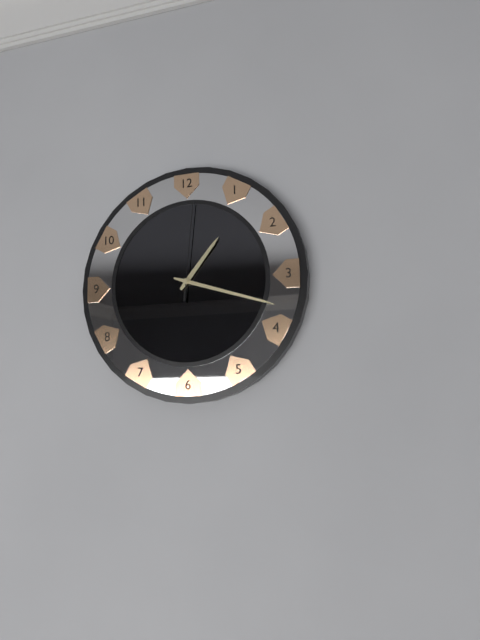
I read h=1 m=18 s=1
